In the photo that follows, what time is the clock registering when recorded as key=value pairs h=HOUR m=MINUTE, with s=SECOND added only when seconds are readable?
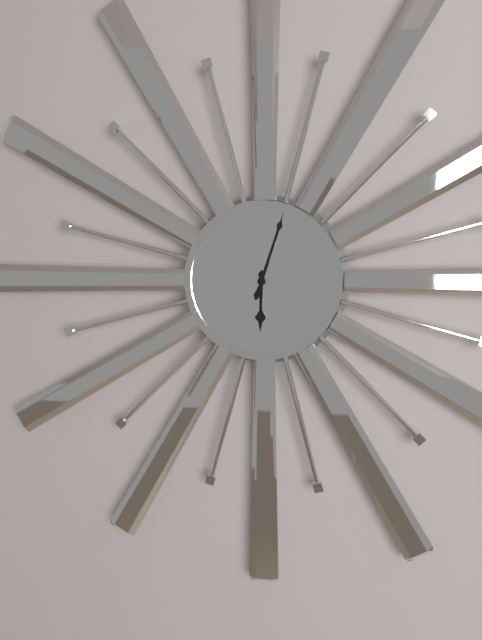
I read h=6 m=3
